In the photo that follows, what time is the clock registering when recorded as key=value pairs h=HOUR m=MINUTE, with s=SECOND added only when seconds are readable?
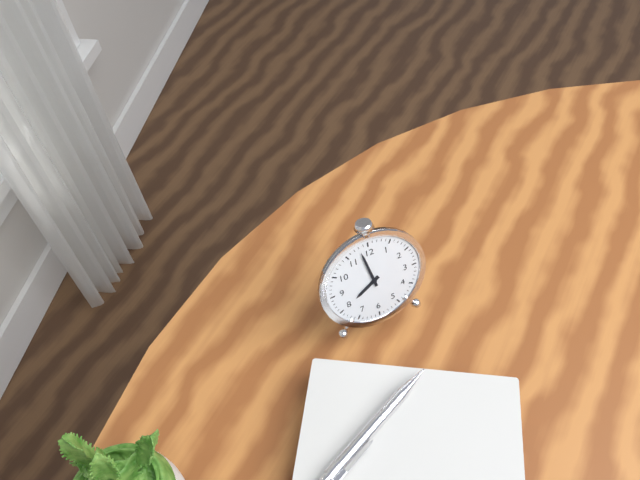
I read h=7 m=58
